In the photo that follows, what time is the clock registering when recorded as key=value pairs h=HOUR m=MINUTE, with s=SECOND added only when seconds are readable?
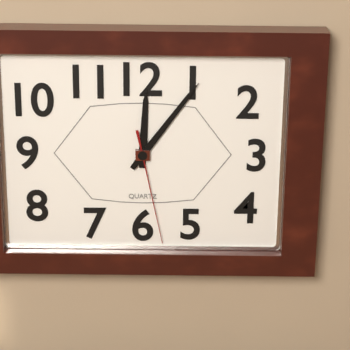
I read h=12 m=6 s=28
